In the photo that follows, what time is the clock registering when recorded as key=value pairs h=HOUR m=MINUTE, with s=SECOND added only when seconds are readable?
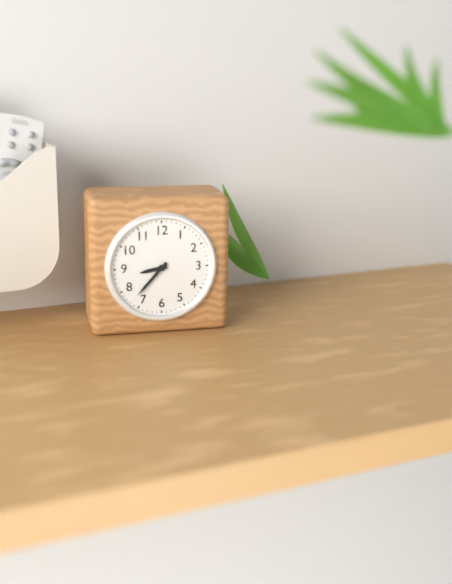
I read h=8 m=37
